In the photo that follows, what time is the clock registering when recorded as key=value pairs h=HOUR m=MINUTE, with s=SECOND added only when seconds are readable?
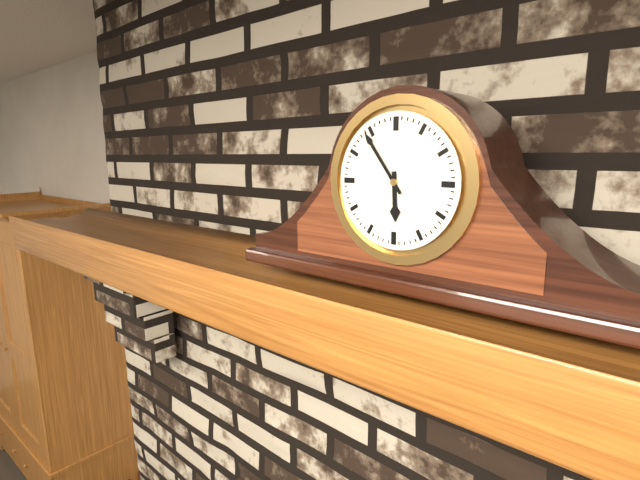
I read h=5 m=54
